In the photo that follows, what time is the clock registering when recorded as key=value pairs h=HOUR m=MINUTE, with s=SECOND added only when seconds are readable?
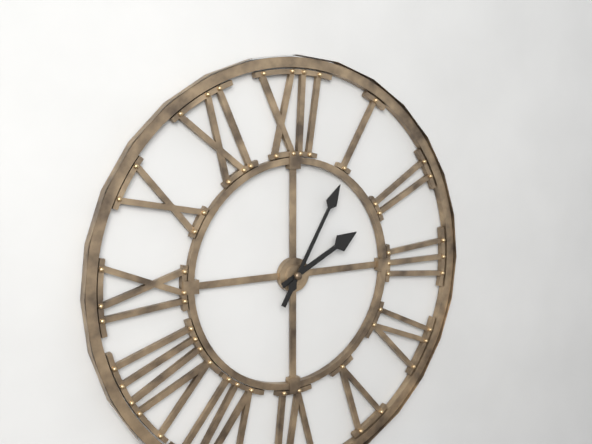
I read h=2 m=5
